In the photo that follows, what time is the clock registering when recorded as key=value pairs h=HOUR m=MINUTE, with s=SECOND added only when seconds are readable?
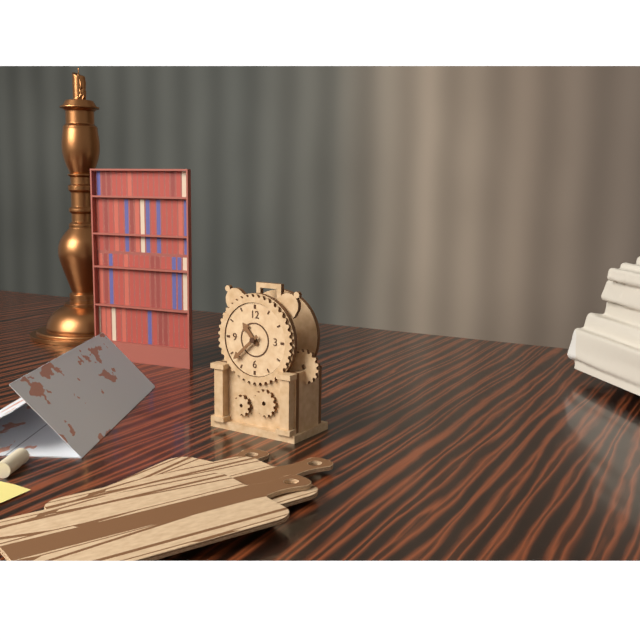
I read h=10 m=38
